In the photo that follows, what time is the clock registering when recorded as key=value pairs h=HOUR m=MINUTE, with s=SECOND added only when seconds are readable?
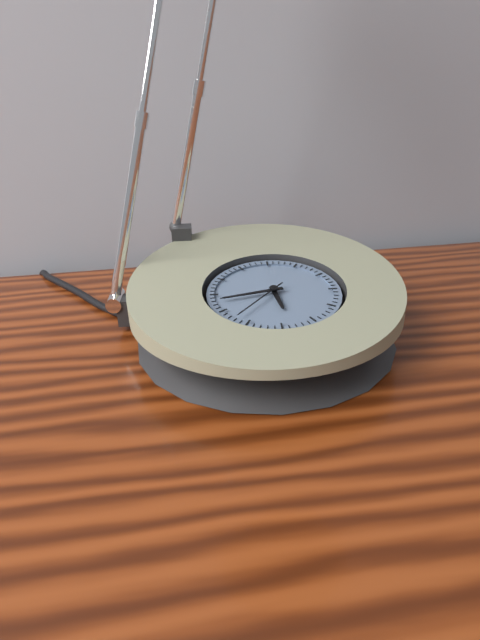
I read h=5 m=43 s=37
